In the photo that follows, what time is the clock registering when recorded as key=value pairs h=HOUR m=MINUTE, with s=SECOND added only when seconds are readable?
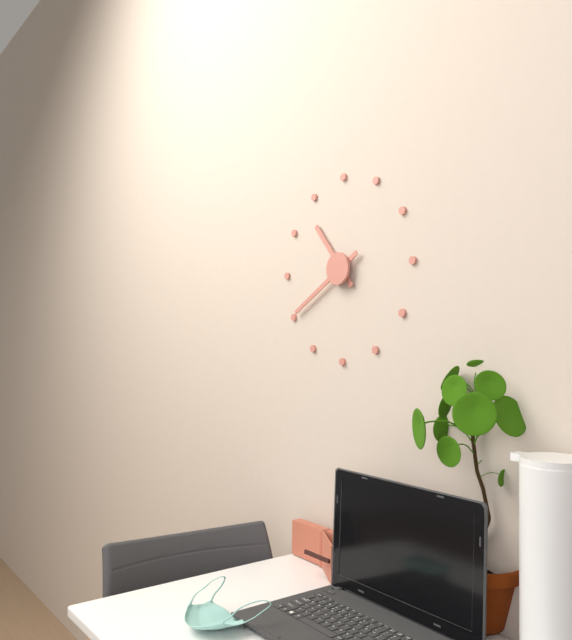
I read h=10 m=40
